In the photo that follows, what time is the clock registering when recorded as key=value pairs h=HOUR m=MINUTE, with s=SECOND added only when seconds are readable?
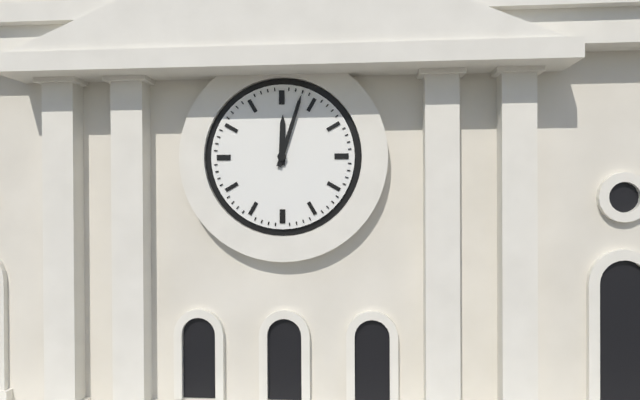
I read h=12 m=3
